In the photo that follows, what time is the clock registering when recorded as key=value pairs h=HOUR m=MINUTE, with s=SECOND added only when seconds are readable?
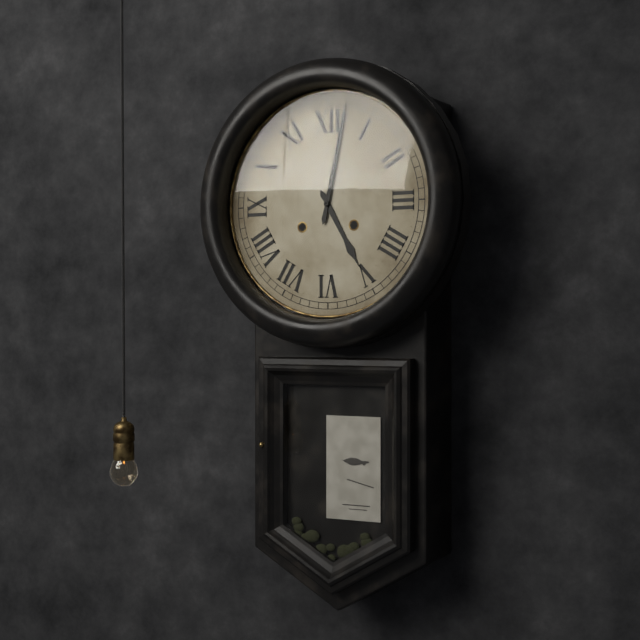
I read h=5 m=2
